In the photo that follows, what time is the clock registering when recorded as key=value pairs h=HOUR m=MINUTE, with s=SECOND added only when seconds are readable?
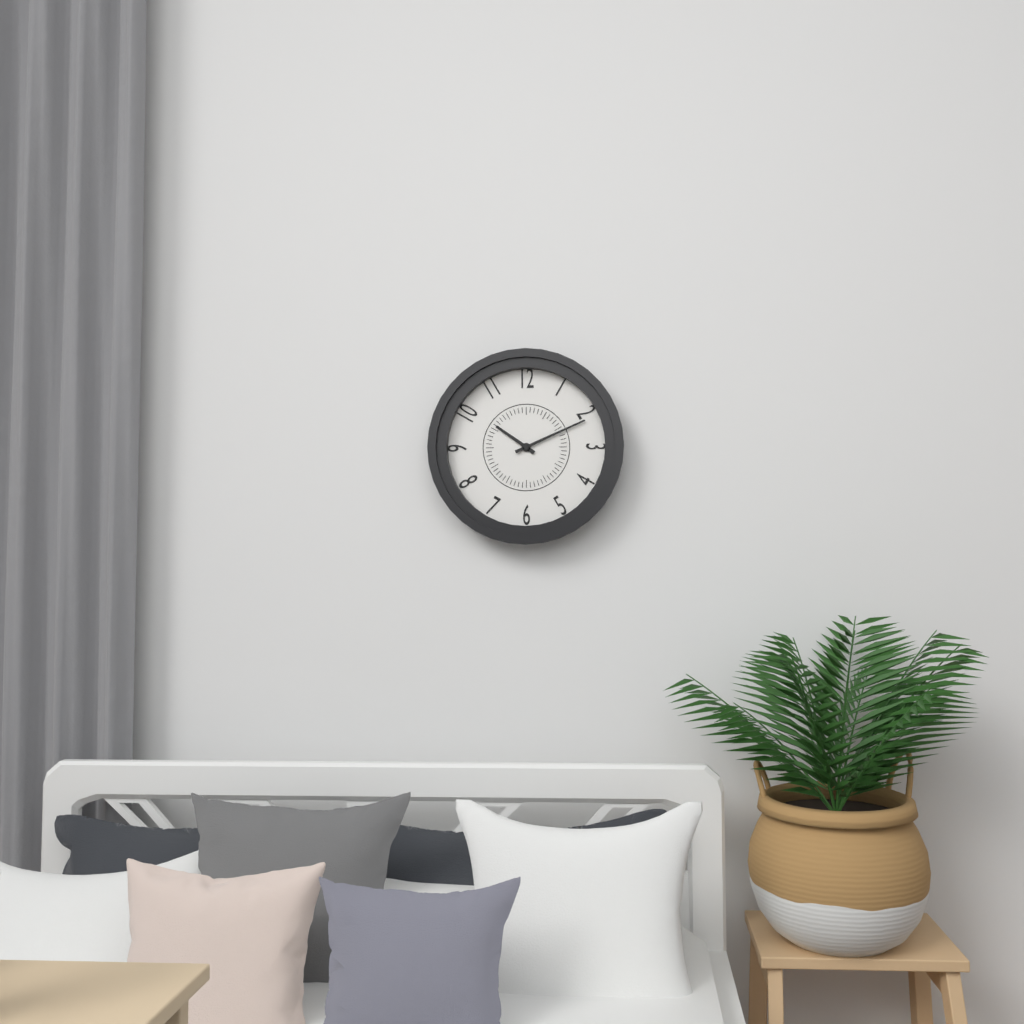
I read h=10 m=11
